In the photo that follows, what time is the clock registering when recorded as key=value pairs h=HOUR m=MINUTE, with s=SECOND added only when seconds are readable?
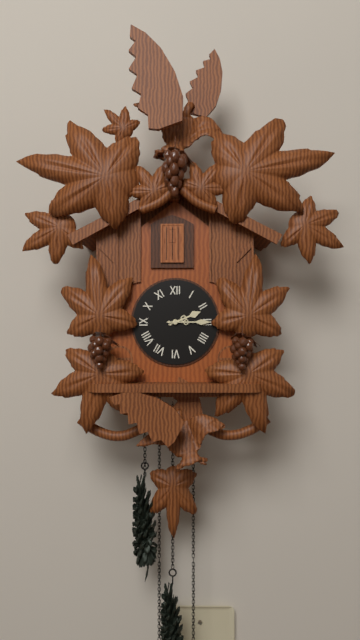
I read h=2 m=15
